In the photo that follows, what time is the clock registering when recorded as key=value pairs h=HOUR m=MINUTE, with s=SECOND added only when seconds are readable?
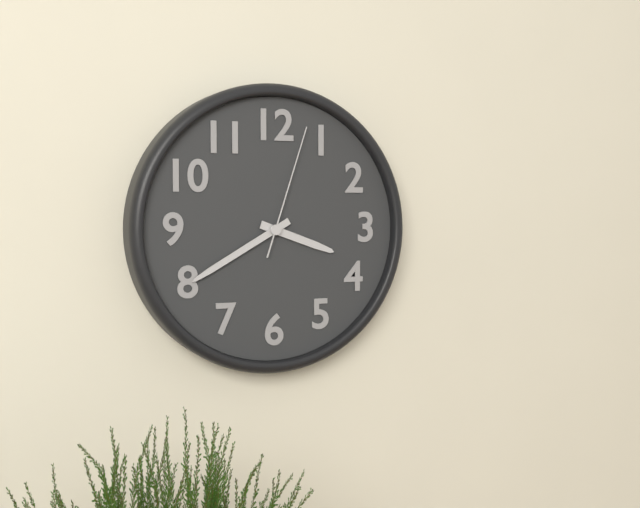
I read h=3 m=40 s=3
